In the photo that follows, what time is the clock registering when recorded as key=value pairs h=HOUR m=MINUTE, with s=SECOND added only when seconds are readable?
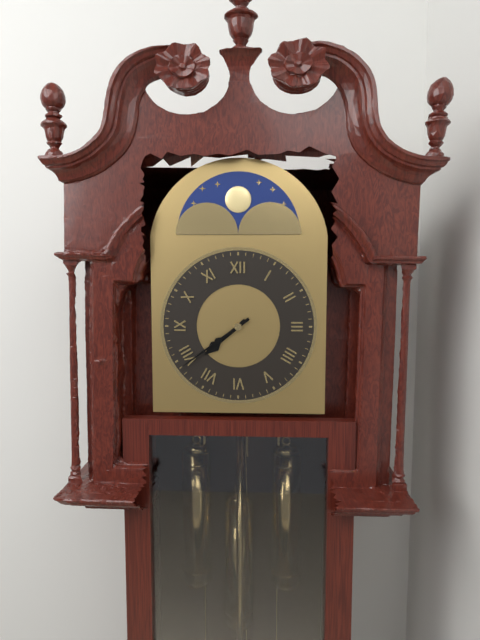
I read h=7 m=39
